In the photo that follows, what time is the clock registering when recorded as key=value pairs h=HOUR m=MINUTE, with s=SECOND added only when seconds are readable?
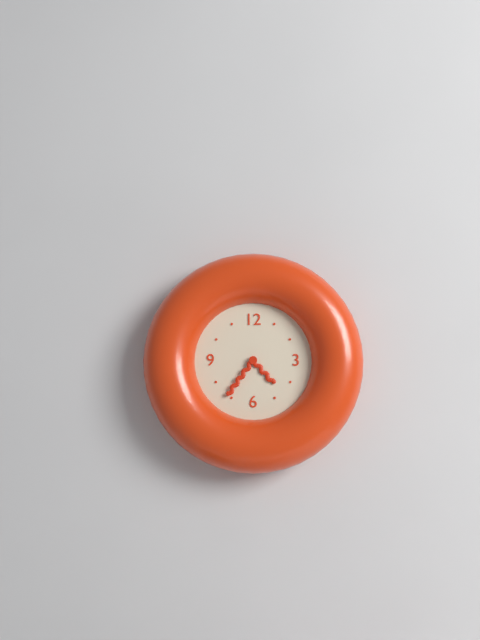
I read h=4 m=36
